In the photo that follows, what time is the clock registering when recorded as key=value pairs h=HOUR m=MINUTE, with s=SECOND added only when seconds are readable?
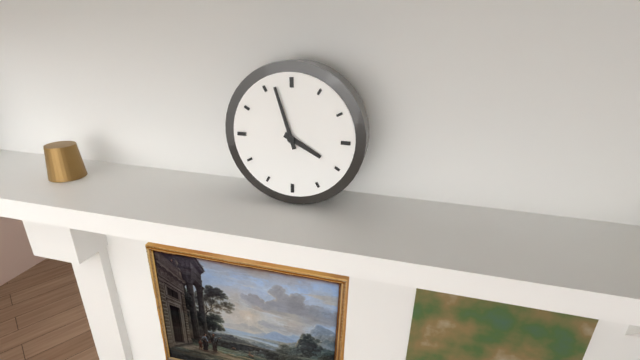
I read h=3 m=57
